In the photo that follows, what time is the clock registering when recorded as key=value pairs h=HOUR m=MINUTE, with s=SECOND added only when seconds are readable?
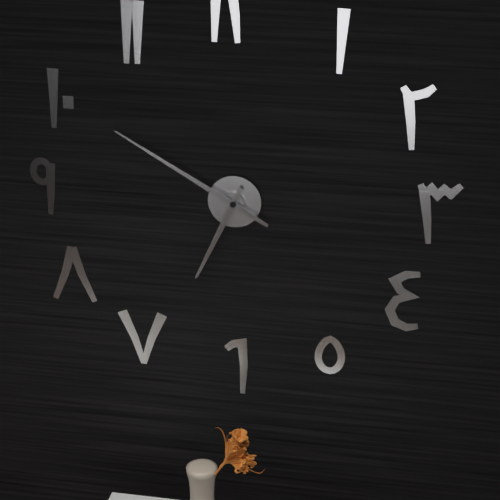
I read h=6 m=50
